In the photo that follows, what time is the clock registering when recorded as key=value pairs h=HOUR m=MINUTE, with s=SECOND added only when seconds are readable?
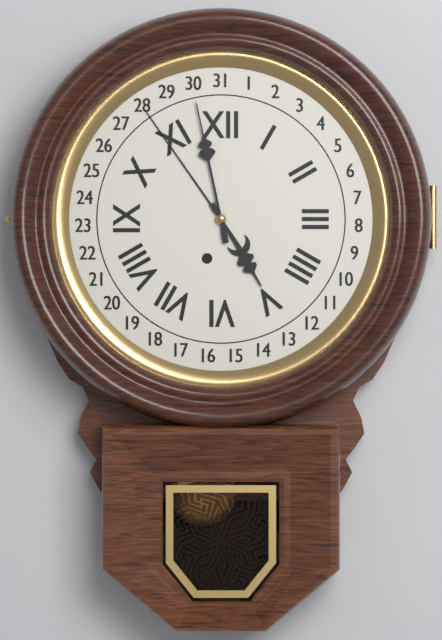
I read h=4 m=58
